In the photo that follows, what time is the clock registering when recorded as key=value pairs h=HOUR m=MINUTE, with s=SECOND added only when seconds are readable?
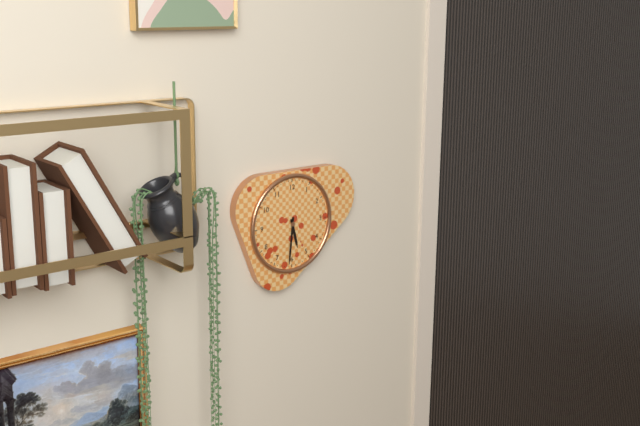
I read h=5 m=31
